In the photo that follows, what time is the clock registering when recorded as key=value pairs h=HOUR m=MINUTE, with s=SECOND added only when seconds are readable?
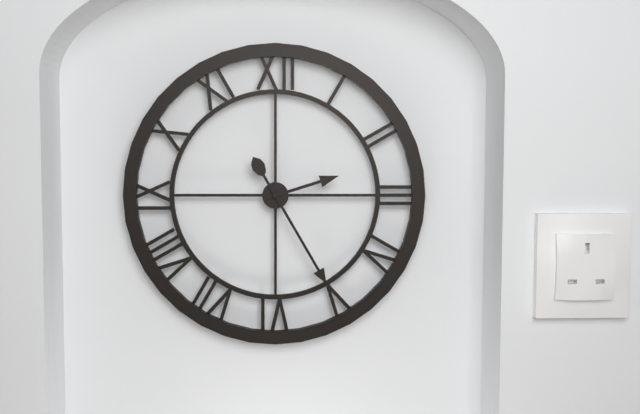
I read h=2 m=25
